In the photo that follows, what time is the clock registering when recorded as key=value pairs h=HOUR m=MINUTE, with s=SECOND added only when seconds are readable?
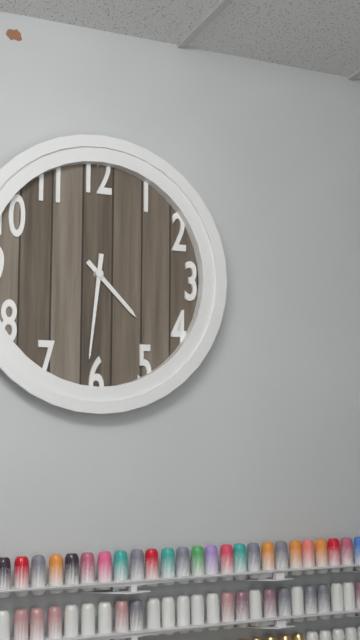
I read h=4 m=31
